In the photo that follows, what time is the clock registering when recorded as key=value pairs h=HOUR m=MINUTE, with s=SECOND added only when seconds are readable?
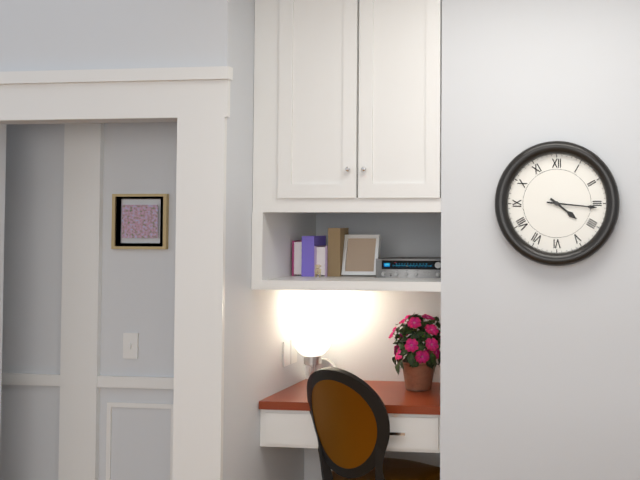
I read h=4 m=16
